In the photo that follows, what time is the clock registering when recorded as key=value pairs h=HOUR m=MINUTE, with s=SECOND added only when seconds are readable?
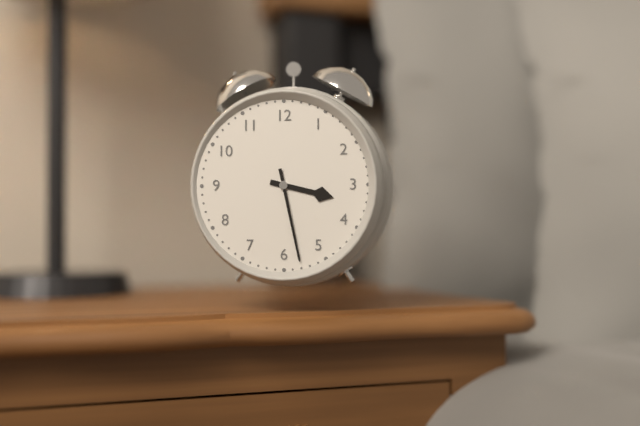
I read h=3 m=28
